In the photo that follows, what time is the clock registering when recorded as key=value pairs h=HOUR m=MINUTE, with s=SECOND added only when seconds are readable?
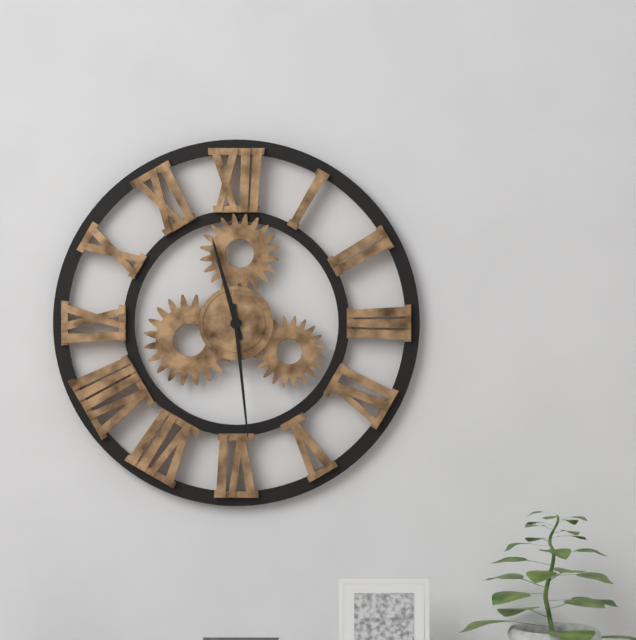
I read h=11 m=29
